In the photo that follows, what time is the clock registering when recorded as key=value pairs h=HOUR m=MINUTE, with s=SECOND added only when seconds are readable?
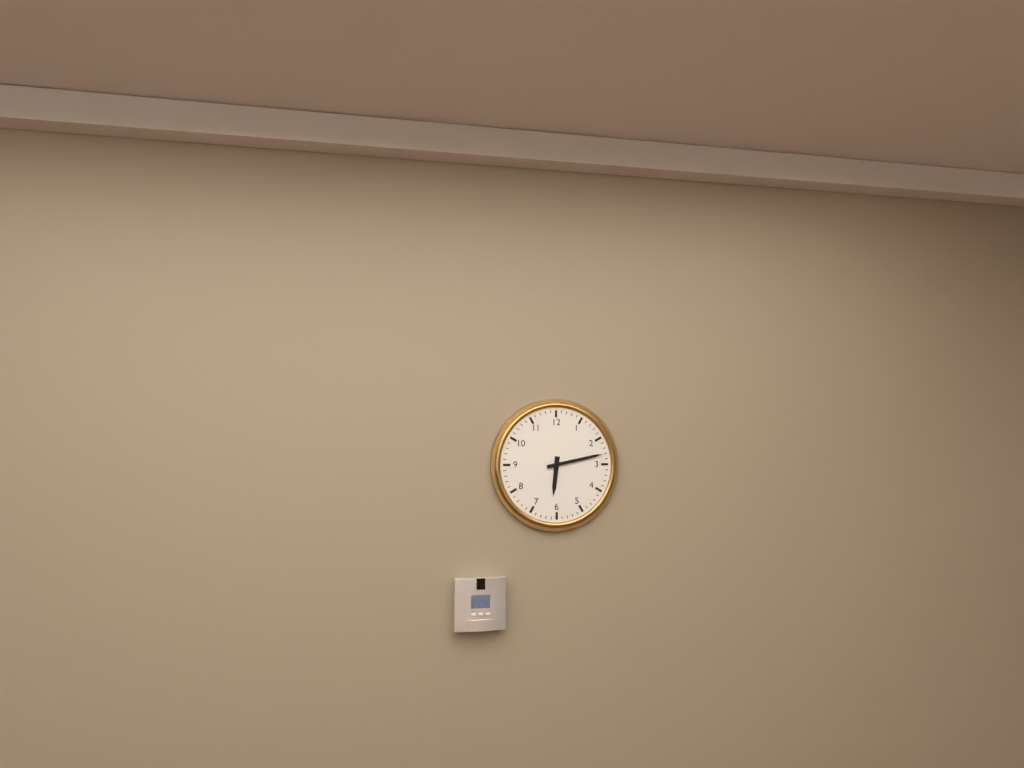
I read h=6 m=13
